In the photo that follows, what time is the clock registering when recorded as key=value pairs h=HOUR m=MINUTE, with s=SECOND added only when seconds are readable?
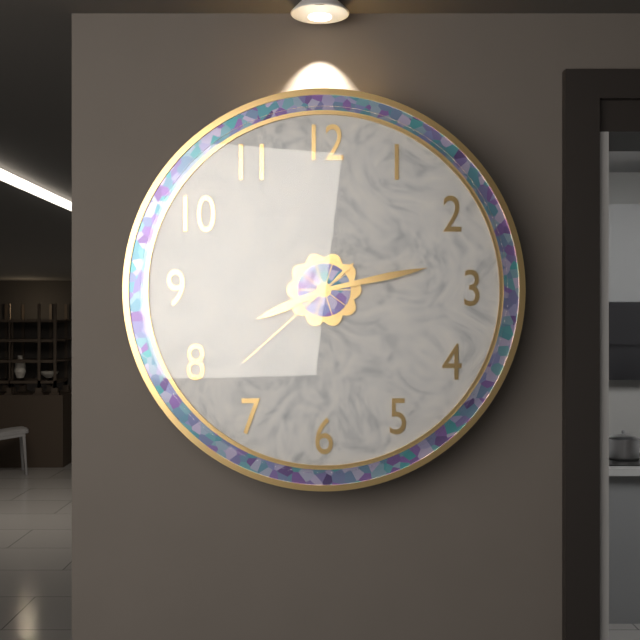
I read h=8 m=13 s=38
